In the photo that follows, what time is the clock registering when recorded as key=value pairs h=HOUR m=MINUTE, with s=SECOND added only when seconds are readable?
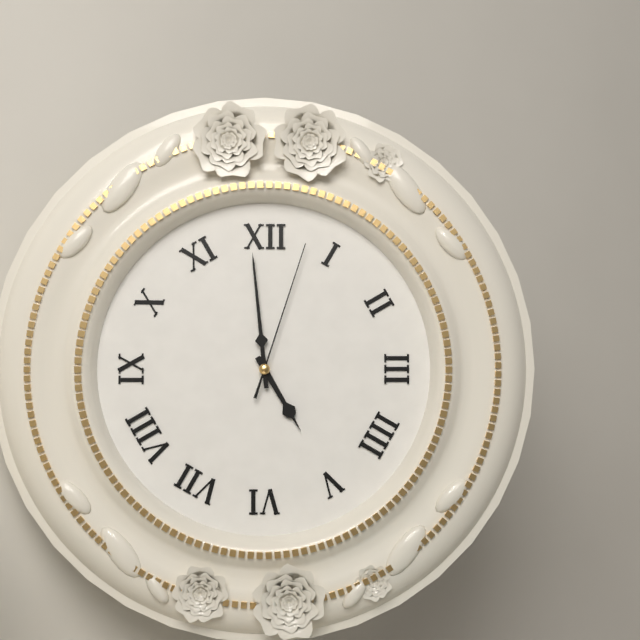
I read h=4 m=59 s=3
